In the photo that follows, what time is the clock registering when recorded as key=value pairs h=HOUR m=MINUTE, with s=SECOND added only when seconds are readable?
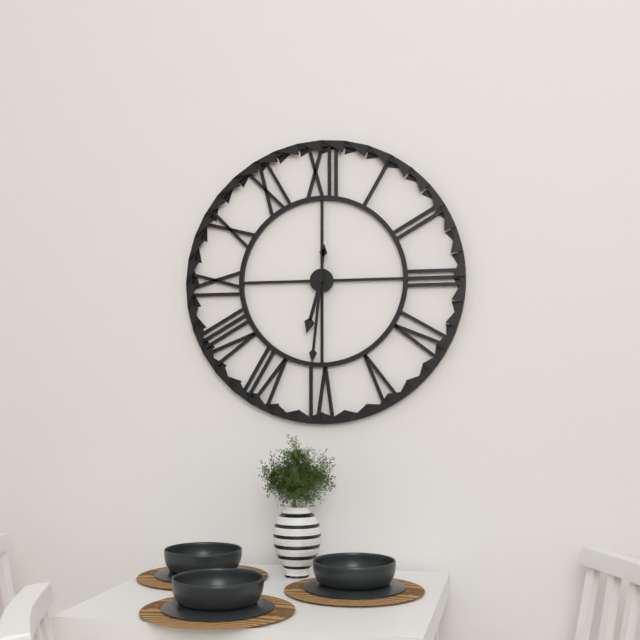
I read h=6 m=31
